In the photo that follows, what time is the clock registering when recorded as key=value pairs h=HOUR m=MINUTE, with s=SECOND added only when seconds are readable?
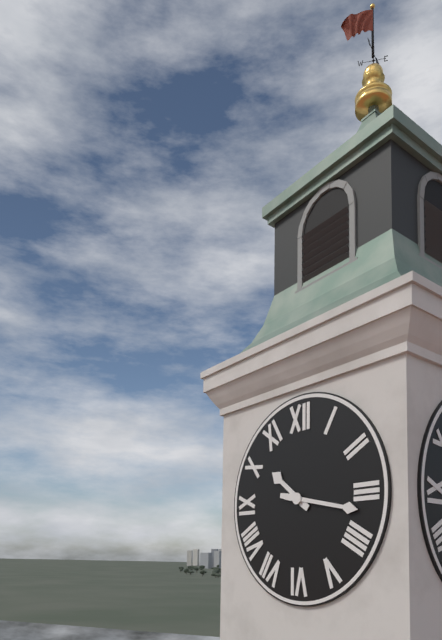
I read h=10 m=17
